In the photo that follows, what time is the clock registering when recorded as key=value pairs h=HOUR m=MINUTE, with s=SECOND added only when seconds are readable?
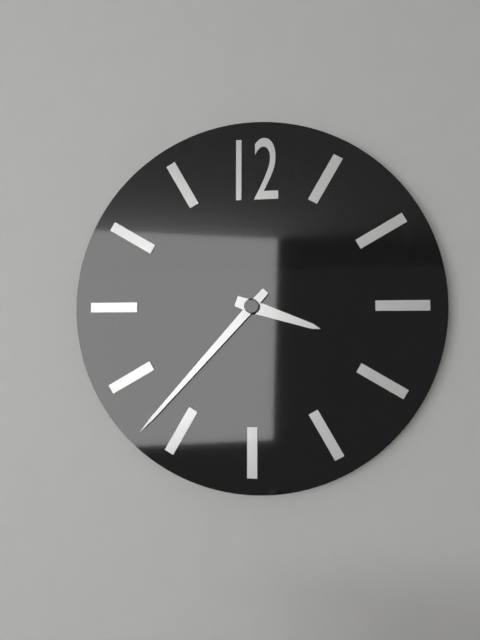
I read h=3 m=37
